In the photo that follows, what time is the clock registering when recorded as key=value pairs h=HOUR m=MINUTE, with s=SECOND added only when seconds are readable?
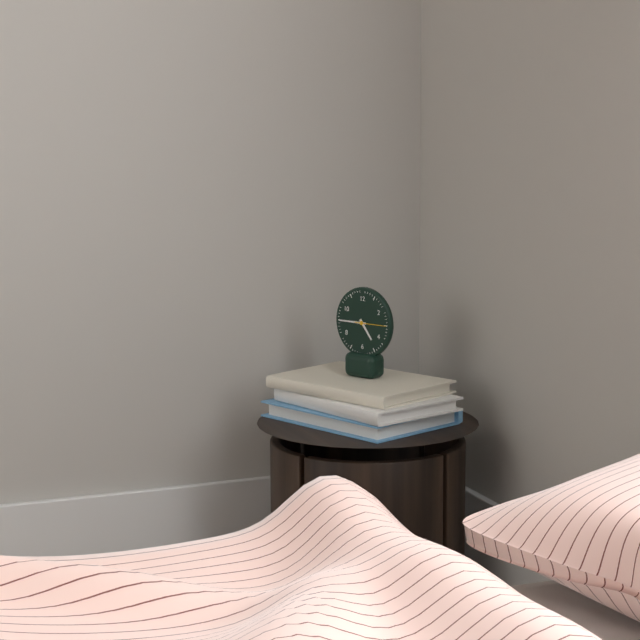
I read h=4 m=45
